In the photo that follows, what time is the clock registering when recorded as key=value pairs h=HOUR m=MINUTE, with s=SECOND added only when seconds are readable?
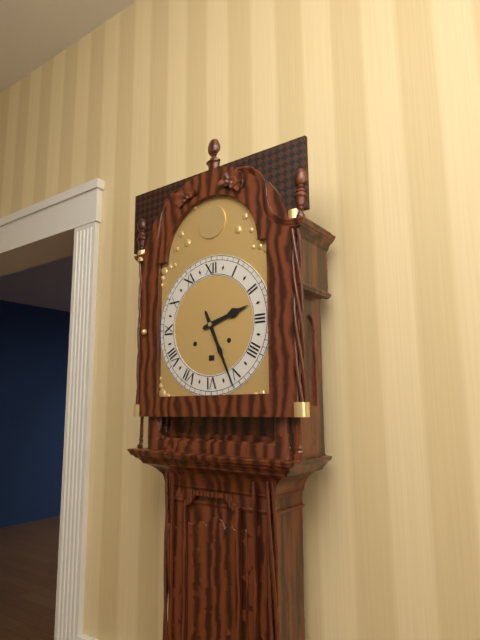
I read h=2 m=26
